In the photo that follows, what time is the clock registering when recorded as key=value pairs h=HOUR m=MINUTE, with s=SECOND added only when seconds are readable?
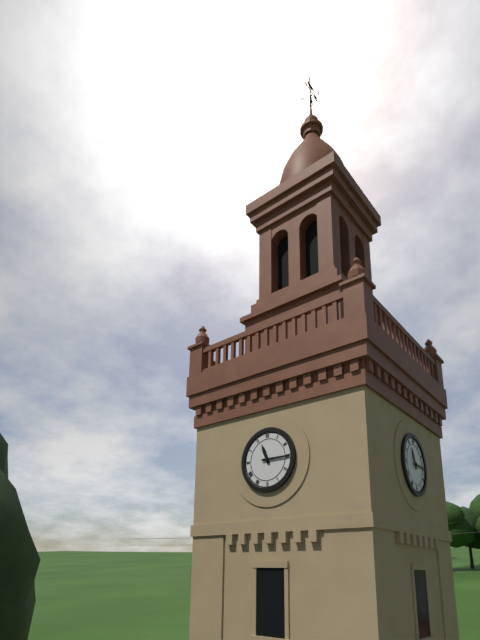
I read h=11 m=15
